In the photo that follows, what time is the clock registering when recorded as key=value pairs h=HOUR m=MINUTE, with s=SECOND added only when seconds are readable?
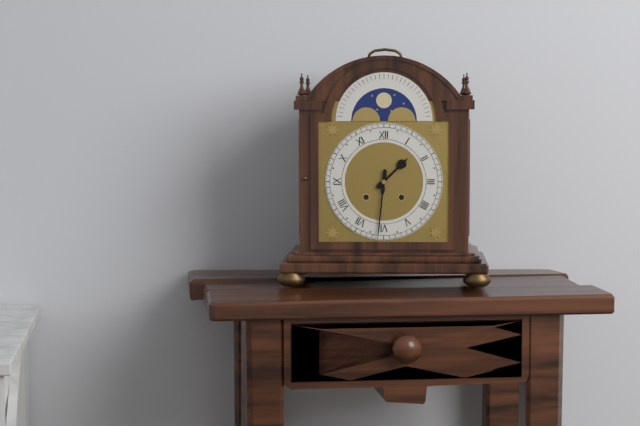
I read h=1 m=31
